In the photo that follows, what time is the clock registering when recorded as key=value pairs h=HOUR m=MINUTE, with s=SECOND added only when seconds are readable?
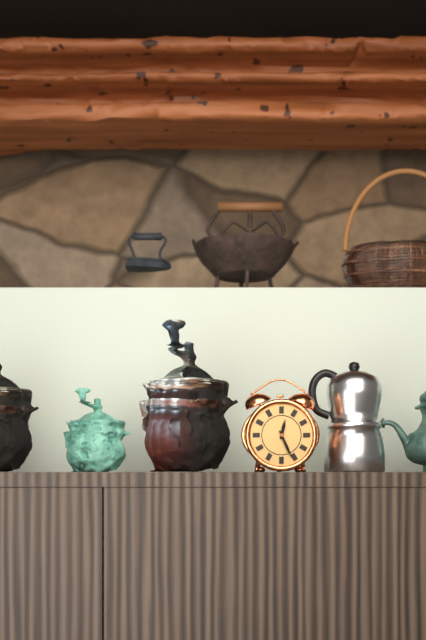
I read h=12 m=26
